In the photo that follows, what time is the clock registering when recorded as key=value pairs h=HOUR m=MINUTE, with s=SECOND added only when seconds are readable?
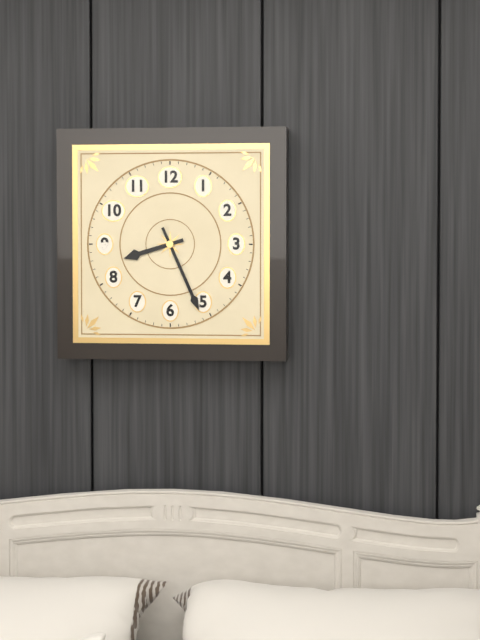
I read h=8 m=26
